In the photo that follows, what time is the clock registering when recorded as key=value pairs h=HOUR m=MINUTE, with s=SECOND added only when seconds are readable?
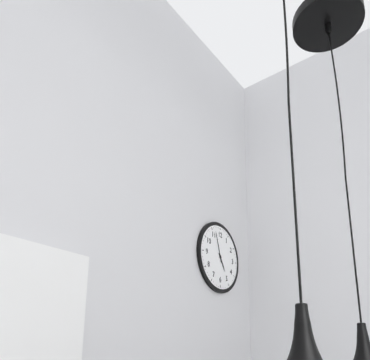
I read h=4 m=57
